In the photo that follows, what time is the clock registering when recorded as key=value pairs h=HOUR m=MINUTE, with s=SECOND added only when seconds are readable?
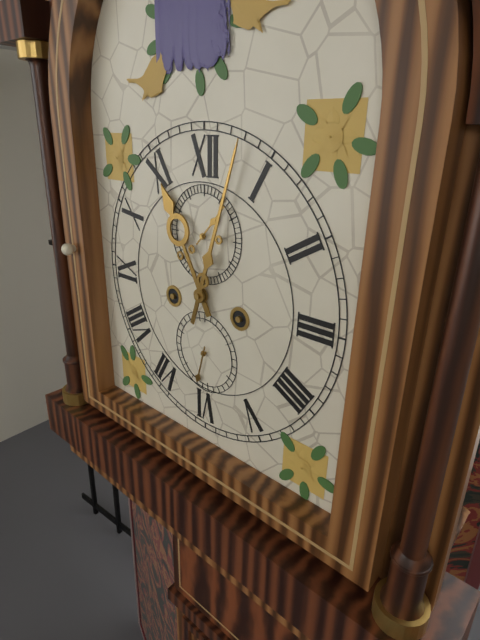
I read h=11 m=3
